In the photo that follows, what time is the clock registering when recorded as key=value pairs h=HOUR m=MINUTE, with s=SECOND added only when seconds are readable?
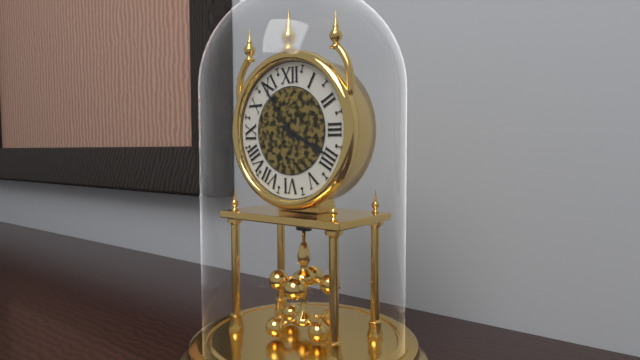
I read h=3 m=54
